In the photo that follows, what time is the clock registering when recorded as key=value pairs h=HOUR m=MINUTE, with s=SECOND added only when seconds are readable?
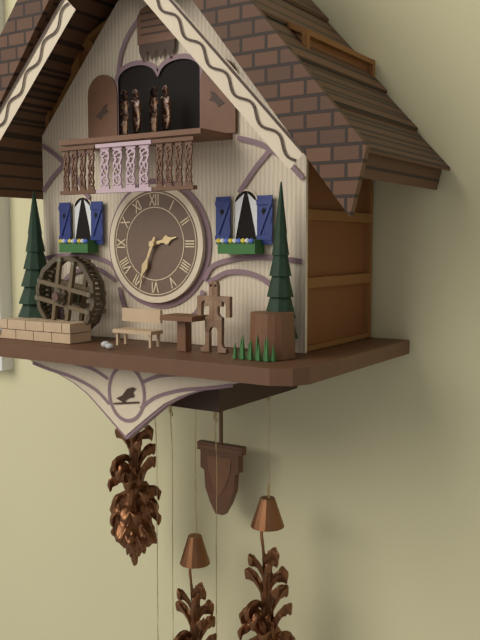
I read h=2 m=34
